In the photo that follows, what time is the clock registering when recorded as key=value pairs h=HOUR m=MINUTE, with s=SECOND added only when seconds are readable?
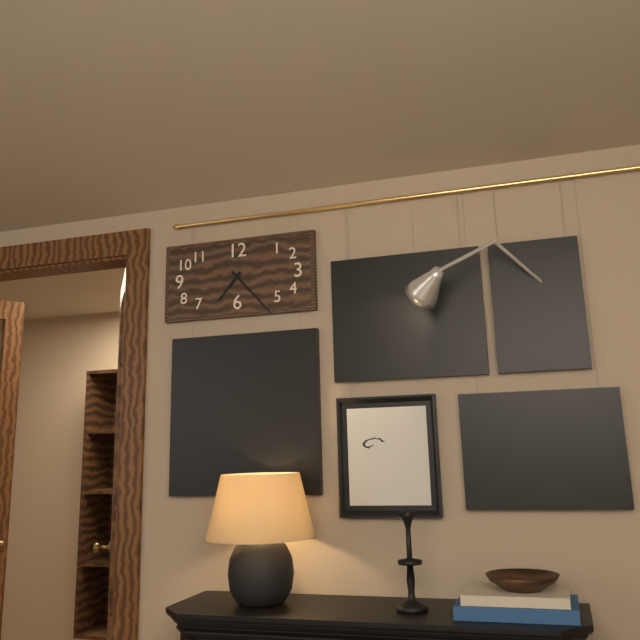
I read h=7 m=23
